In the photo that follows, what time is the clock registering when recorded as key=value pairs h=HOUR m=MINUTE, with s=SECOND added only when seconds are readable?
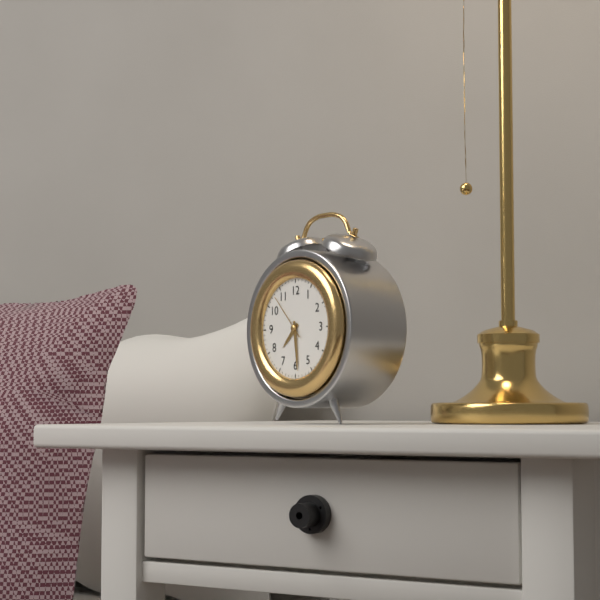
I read h=7 m=29
